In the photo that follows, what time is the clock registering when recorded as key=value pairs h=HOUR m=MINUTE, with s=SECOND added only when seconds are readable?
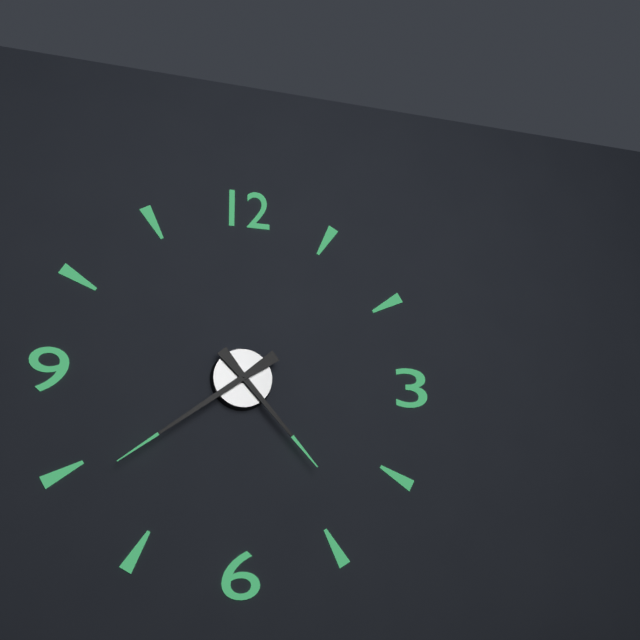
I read h=4 m=39
